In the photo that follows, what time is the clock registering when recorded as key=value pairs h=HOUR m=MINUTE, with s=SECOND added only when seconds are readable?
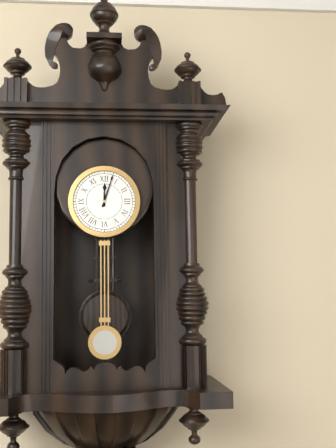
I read h=12 m=3
